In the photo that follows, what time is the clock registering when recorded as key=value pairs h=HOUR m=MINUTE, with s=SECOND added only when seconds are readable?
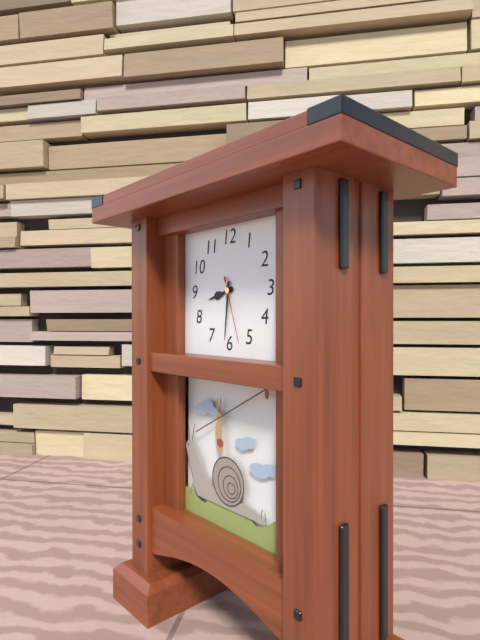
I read h=8 m=31 s=27
